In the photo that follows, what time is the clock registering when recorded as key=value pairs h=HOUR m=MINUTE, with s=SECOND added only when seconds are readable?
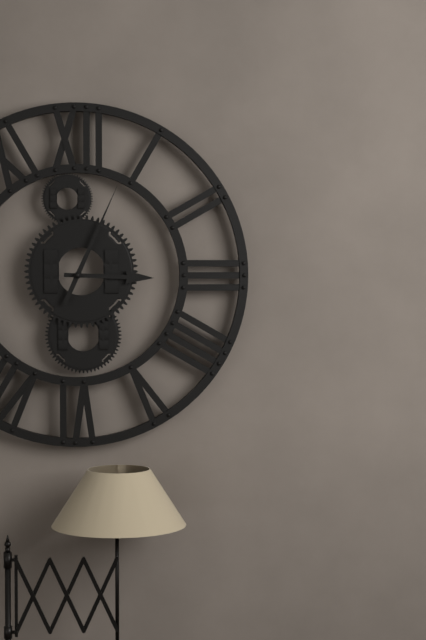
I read h=3 m=4
